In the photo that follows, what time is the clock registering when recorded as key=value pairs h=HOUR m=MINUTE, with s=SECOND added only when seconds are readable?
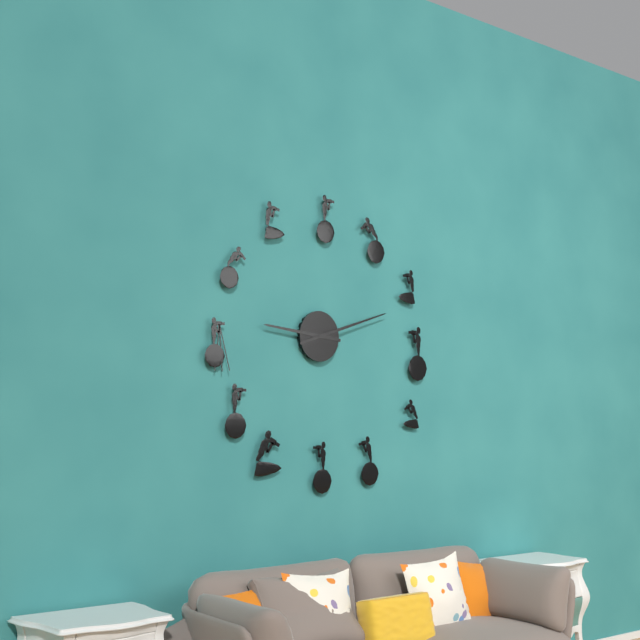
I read h=9 m=12
